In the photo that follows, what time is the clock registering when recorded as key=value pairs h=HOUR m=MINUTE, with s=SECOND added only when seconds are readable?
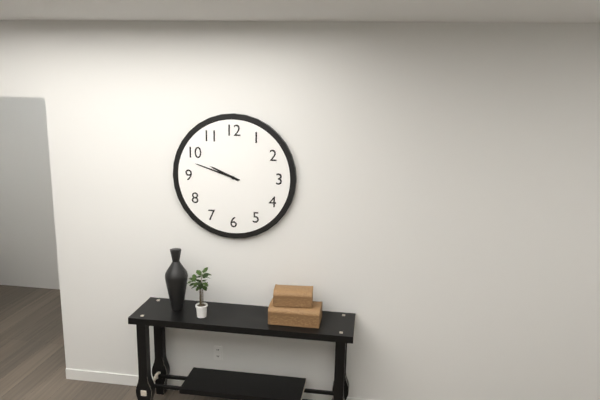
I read h=9 m=48
